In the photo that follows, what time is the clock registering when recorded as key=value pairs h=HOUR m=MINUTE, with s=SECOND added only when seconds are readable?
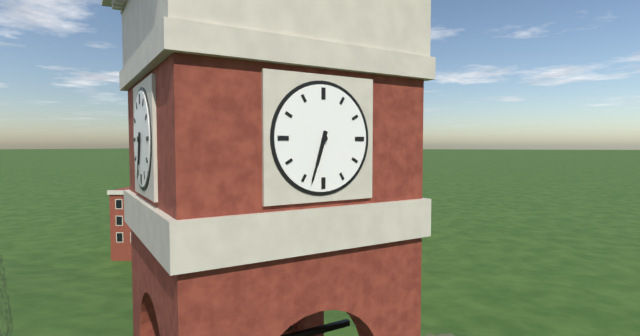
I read h=6 m=33
